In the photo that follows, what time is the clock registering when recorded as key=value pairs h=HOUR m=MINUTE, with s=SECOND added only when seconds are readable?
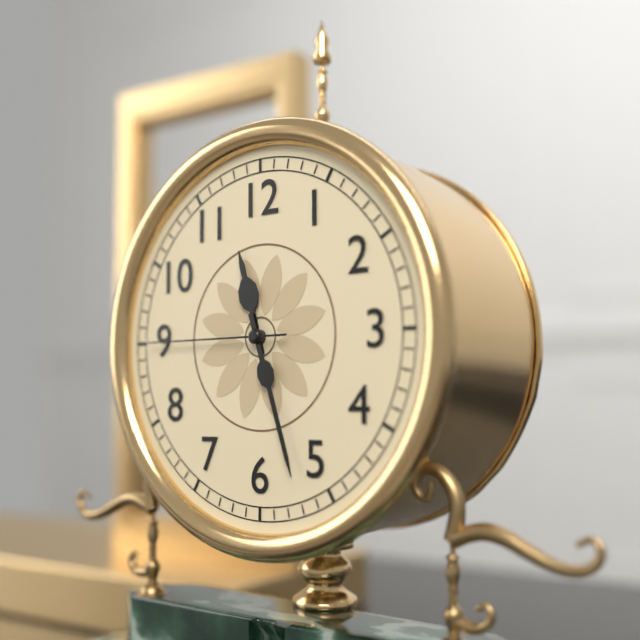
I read h=11 m=27 s=45
